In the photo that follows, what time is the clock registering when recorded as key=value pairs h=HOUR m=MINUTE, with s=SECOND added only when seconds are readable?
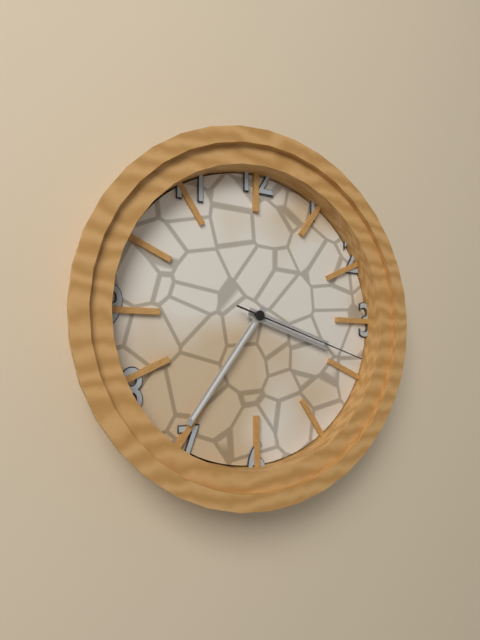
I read h=3 m=36 s=18
